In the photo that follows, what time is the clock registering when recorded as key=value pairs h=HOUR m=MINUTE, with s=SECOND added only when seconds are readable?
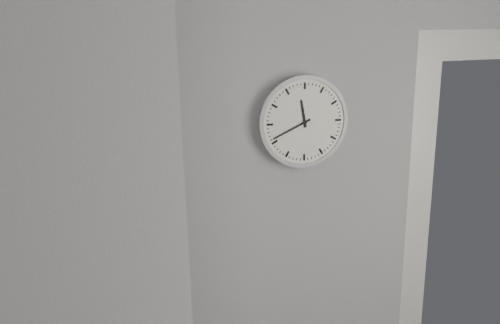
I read h=11 m=41
